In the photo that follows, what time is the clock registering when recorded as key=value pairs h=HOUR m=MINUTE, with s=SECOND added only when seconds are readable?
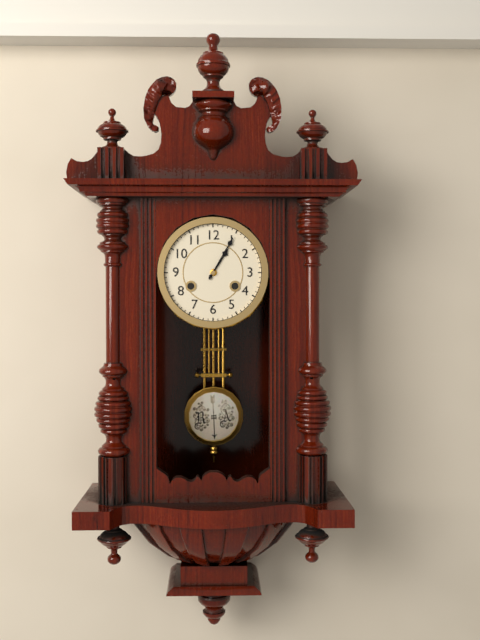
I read h=1 m=5
